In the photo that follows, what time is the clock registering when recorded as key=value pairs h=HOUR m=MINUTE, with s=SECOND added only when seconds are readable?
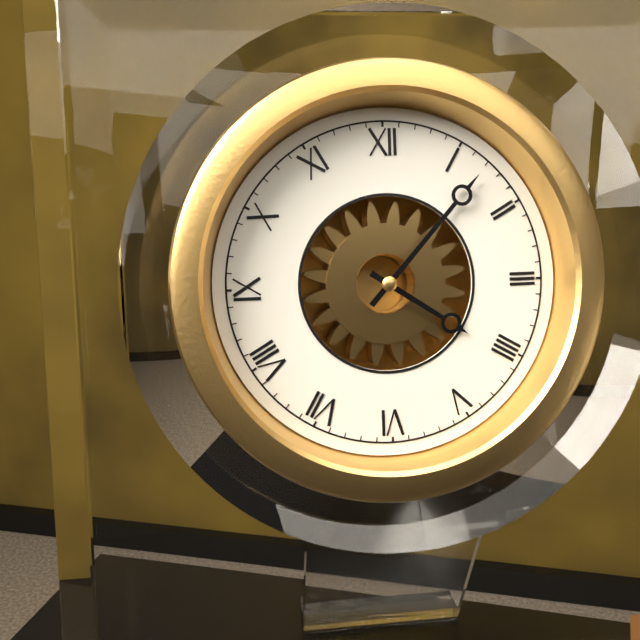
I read h=4 m=7
